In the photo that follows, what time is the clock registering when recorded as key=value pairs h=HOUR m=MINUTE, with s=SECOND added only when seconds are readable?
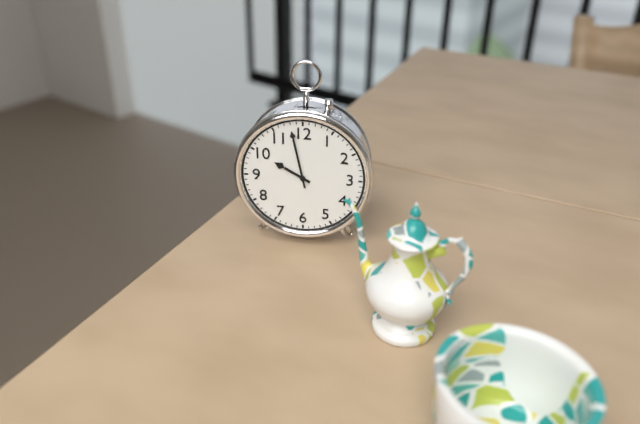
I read h=9 m=58
